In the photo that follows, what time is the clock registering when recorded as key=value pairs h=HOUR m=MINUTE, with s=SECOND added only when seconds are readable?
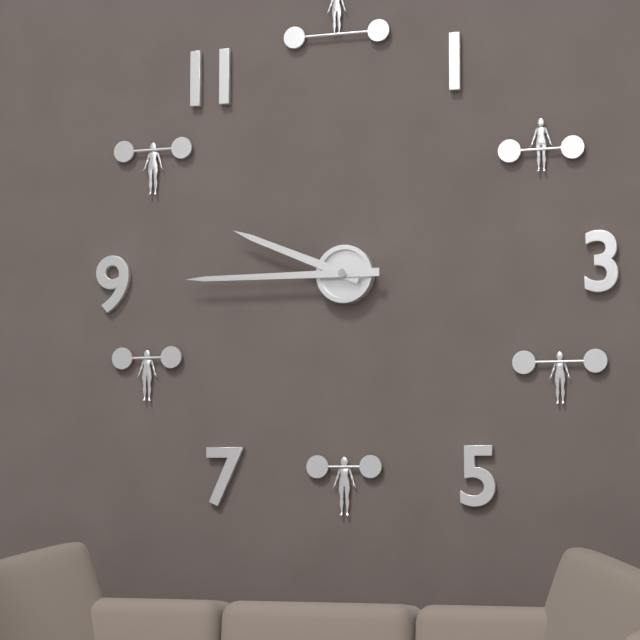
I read h=9 m=45
